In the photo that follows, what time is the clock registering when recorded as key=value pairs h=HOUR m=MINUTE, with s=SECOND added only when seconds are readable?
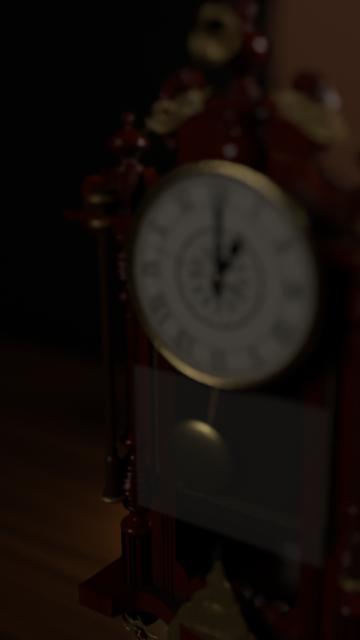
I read h=1 m=0 s=48
